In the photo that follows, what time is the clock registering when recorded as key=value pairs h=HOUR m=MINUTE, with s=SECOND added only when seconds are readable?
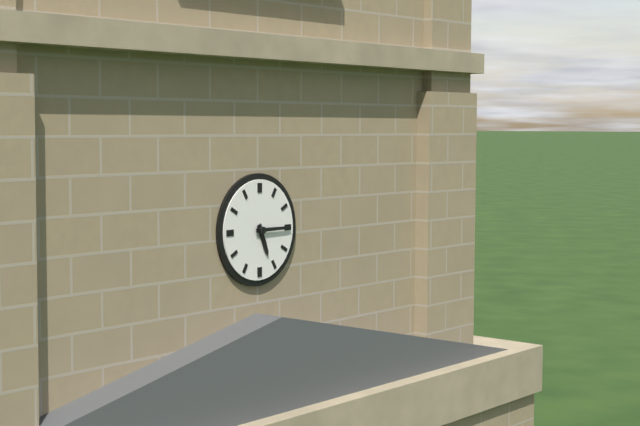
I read h=5 m=15
